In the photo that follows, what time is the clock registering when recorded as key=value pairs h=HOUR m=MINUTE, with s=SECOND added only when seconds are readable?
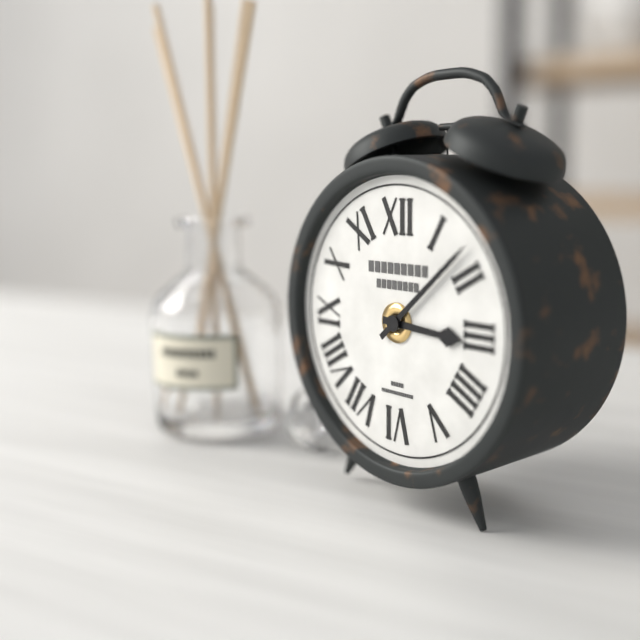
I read h=3 m=8
